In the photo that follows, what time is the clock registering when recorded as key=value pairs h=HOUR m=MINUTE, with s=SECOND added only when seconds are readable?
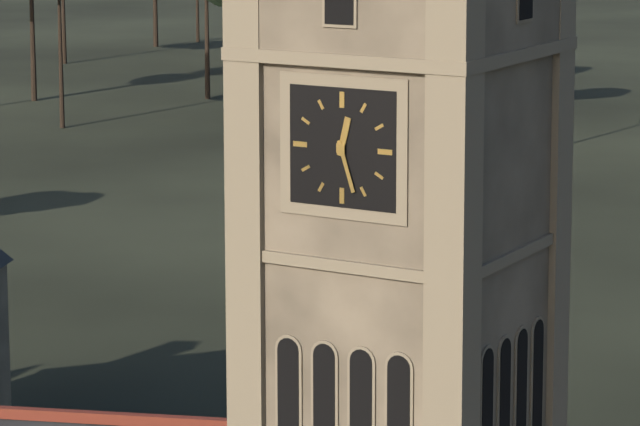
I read h=12 m=27
